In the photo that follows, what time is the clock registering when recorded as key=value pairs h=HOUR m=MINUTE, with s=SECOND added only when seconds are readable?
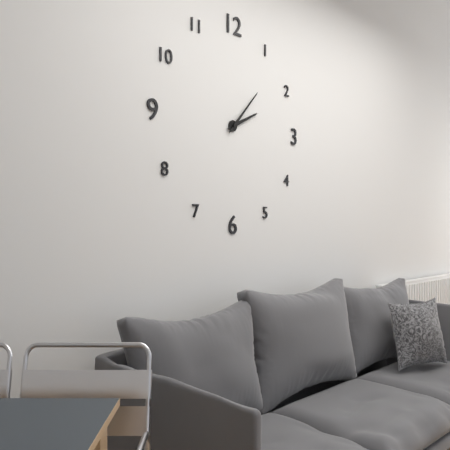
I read h=2 m=7
